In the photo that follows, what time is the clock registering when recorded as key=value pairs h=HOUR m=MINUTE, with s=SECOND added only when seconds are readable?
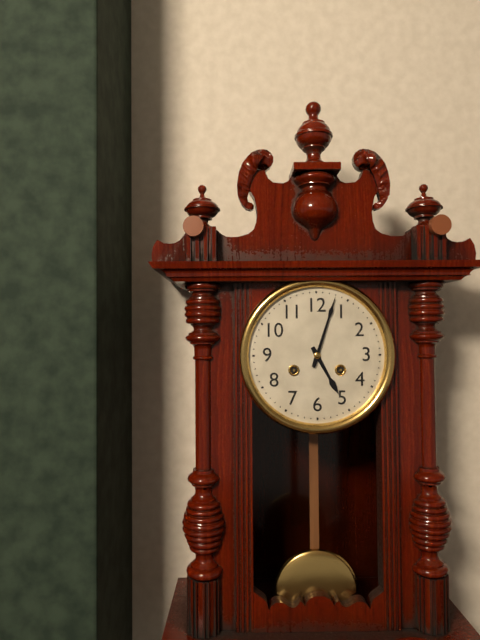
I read h=5 m=3
